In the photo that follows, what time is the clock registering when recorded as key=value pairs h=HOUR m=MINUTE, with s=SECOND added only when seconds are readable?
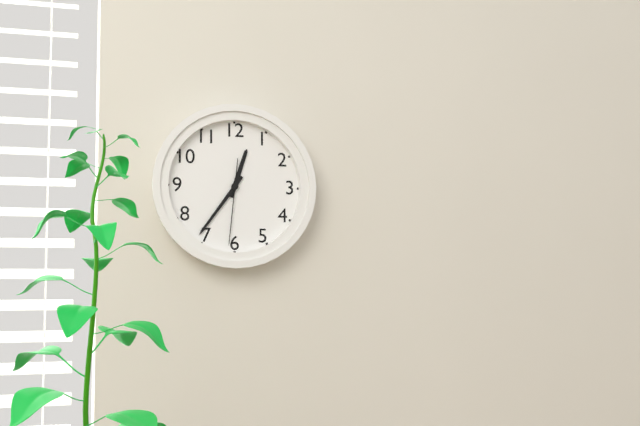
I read h=12 m=36 s=31
